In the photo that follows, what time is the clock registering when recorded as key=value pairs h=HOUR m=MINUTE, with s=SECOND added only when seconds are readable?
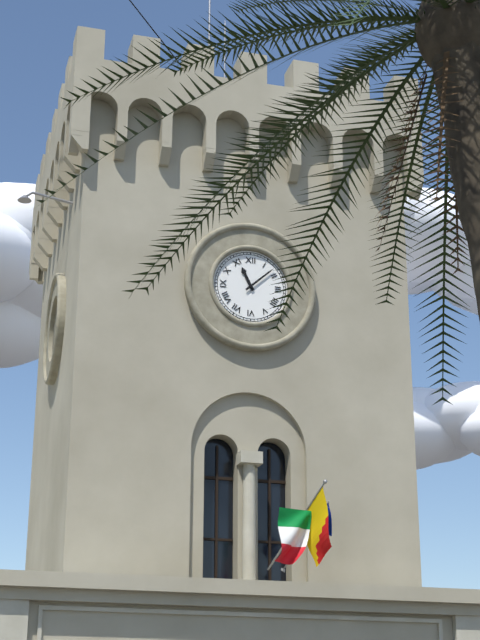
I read h=11 m=8
